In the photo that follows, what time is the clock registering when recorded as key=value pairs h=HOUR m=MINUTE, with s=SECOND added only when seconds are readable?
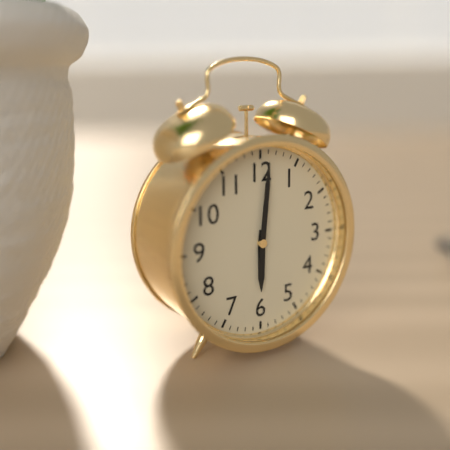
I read h=6 m=1
